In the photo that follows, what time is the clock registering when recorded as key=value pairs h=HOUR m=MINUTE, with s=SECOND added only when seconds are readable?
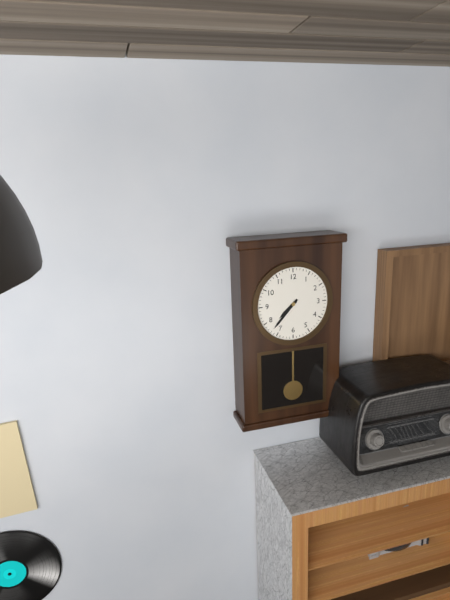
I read h=7 m=37
